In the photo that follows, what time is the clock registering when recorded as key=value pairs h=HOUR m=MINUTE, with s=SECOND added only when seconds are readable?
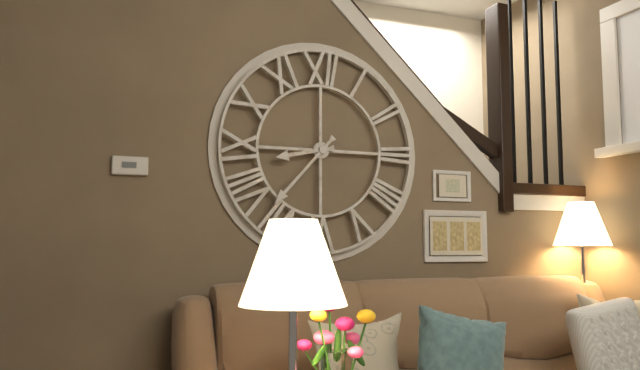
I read h=8 m=37
